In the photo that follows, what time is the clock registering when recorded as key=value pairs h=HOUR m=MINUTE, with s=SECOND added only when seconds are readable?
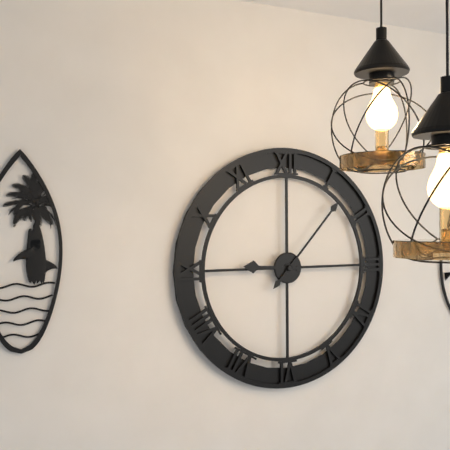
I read h=9 m=7
